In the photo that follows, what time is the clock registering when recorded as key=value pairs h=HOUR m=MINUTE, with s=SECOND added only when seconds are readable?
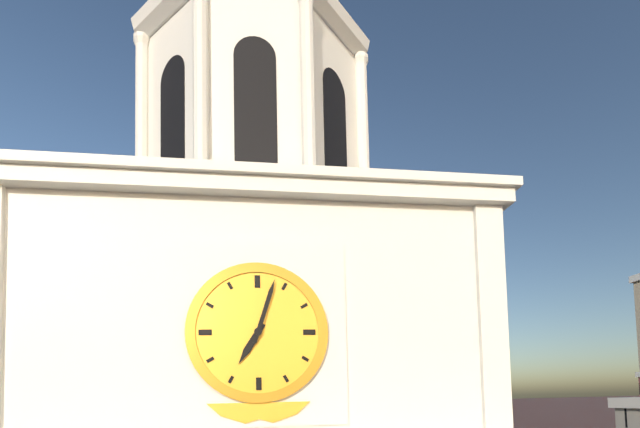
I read h=7 m=3
